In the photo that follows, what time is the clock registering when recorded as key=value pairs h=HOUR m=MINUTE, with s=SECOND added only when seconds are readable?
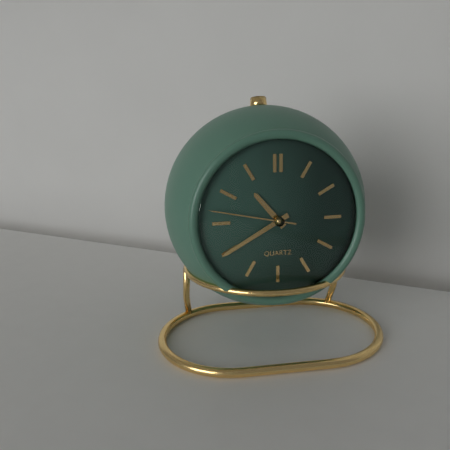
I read h=10 m=40 s=47
